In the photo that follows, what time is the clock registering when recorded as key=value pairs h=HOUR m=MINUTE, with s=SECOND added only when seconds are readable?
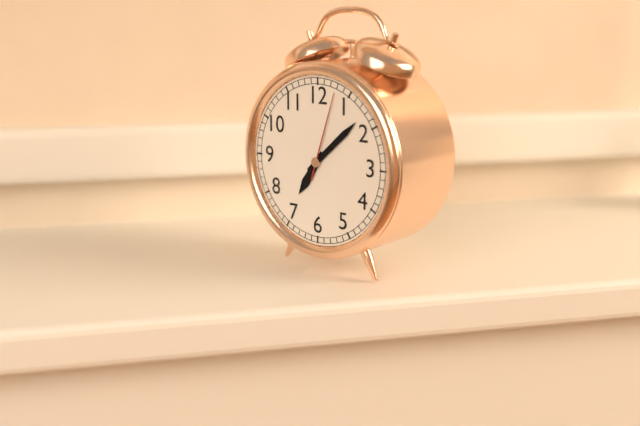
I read h=7 m=8 s=3
